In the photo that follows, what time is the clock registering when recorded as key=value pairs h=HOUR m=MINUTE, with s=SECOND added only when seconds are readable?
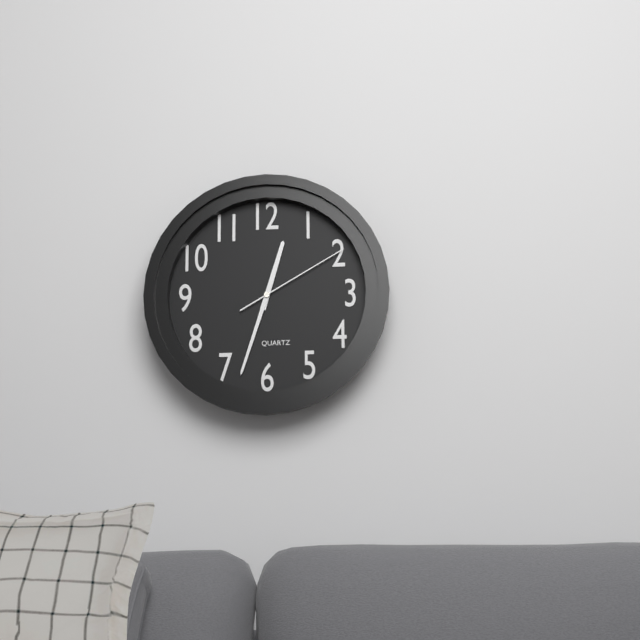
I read h=12 m=33 s=10
